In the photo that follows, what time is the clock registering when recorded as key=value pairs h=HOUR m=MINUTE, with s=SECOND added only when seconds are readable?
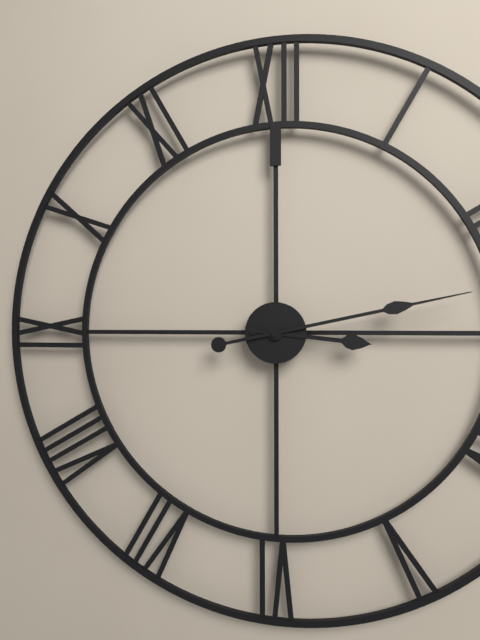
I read h=3 m=13
